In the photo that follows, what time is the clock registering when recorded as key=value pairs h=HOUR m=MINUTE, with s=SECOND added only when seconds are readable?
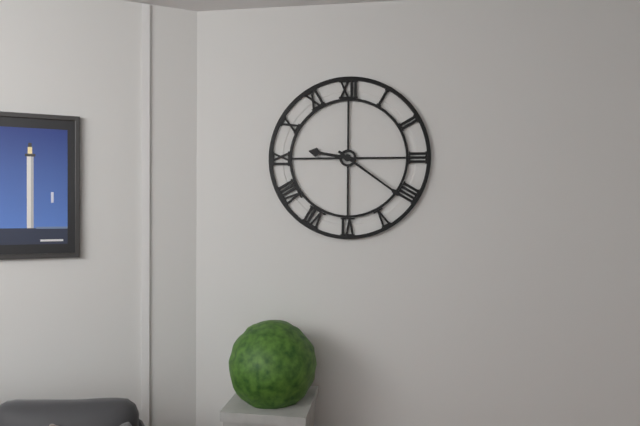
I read h=9 m=21
